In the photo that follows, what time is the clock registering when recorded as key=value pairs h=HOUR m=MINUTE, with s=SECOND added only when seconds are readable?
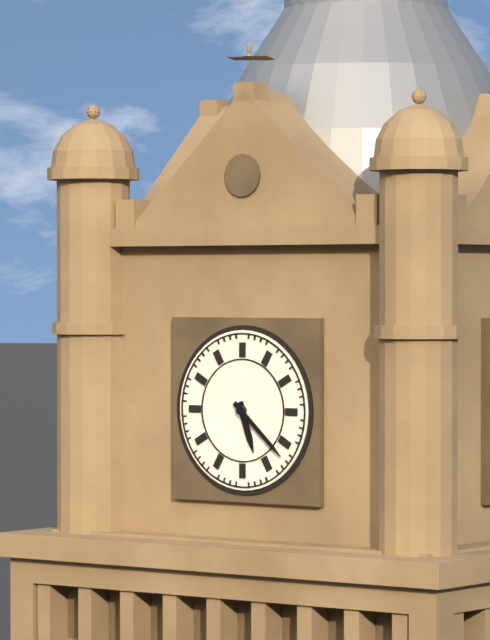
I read h=5 m=22
